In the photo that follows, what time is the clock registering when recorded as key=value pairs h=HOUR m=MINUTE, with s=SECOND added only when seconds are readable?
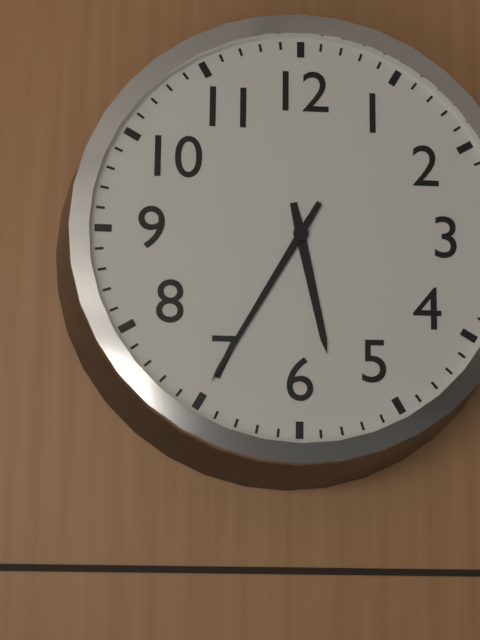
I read h=5 m=35
